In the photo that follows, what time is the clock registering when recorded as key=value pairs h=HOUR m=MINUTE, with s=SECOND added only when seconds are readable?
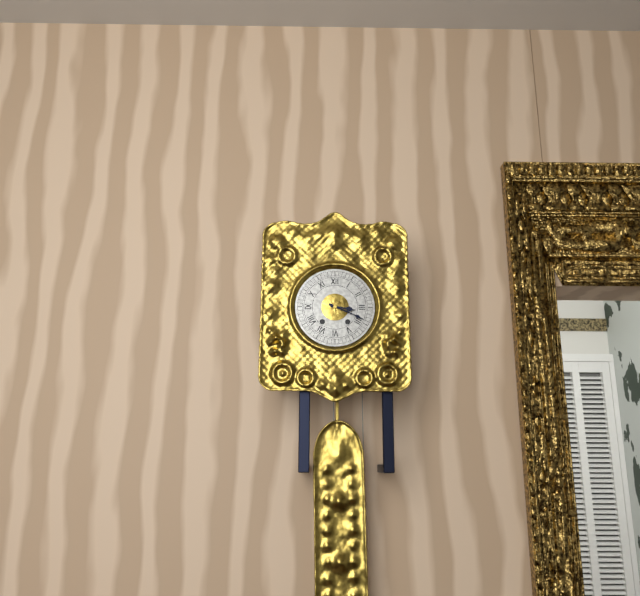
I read h=3 m=19
